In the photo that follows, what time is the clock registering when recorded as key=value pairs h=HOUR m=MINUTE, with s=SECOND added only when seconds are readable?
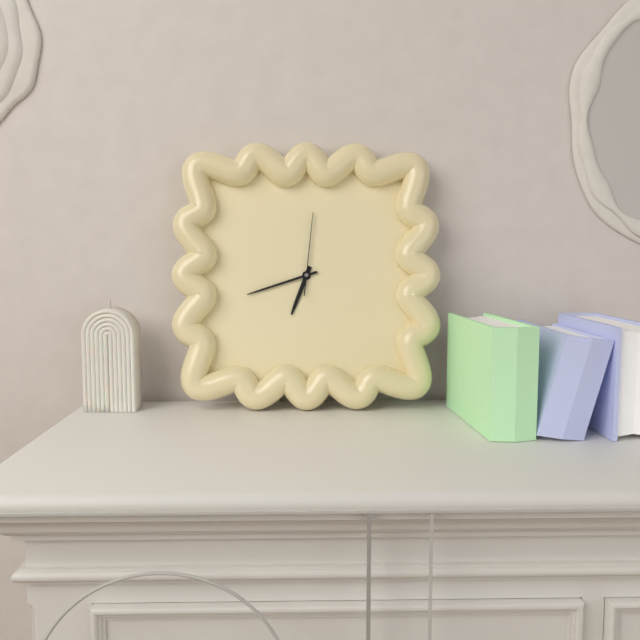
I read h=6 m=42 s=1
